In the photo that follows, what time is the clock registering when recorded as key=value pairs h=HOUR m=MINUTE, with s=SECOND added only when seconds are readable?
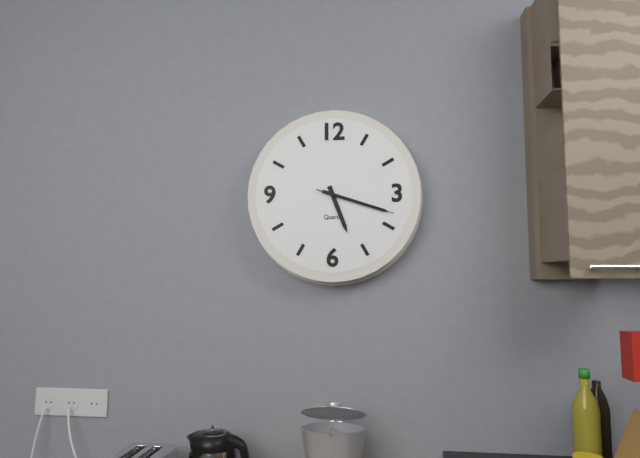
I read h=5 m=18 s=18
